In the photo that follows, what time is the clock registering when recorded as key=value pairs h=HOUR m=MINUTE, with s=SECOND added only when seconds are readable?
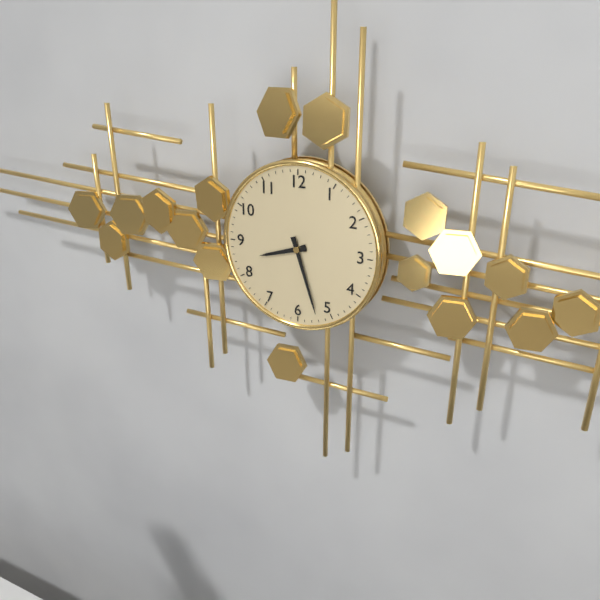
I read h=8 m=27
